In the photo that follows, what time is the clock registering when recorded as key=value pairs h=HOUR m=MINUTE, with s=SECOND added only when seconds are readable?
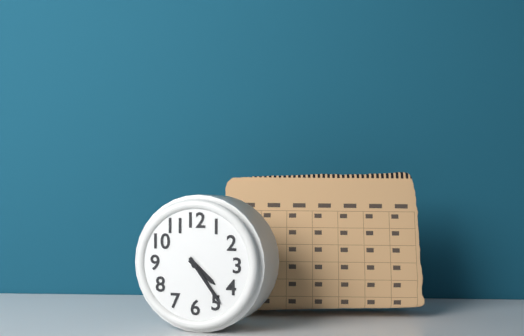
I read h=4 m=24
